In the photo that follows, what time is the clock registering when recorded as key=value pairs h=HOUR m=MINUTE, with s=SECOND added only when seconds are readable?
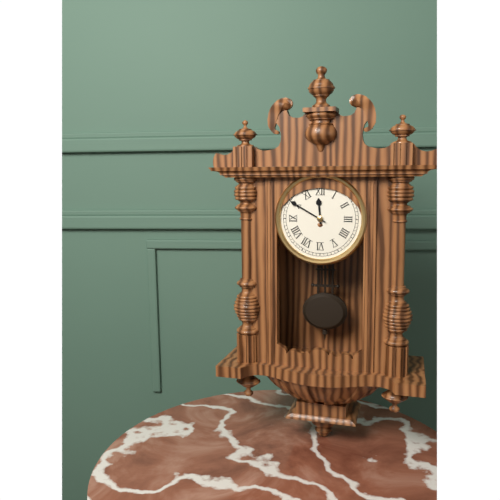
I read h=11 m=50
